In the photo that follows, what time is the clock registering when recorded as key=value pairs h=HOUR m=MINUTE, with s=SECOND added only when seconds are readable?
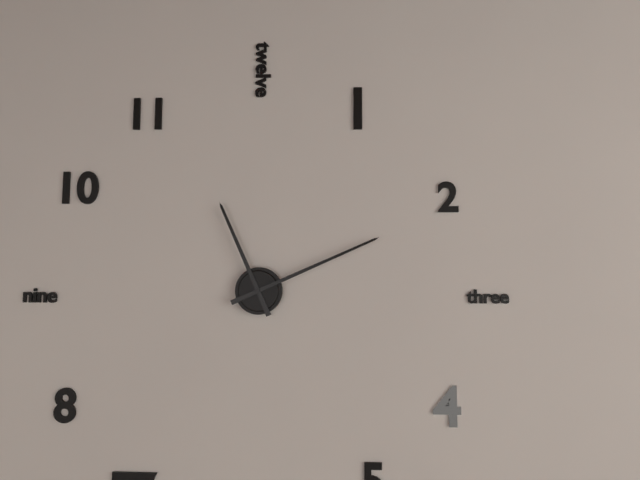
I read h=11 m=11
